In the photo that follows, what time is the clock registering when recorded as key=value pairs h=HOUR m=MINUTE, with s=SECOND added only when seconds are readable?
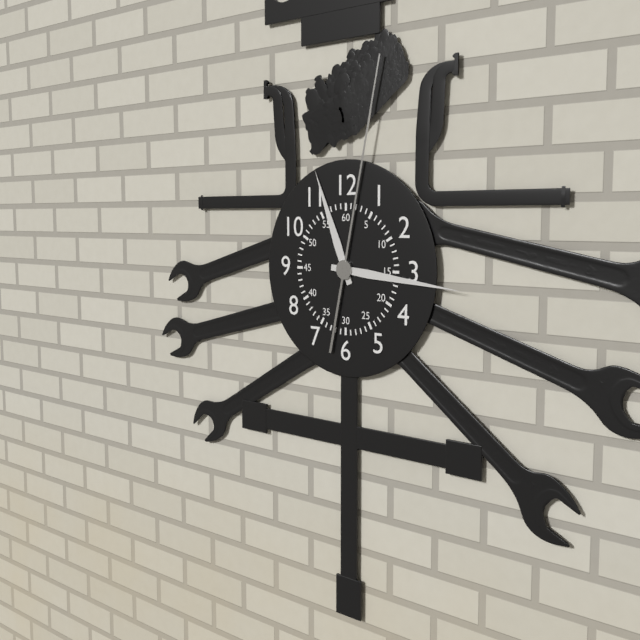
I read h=11 m=16 s=2
